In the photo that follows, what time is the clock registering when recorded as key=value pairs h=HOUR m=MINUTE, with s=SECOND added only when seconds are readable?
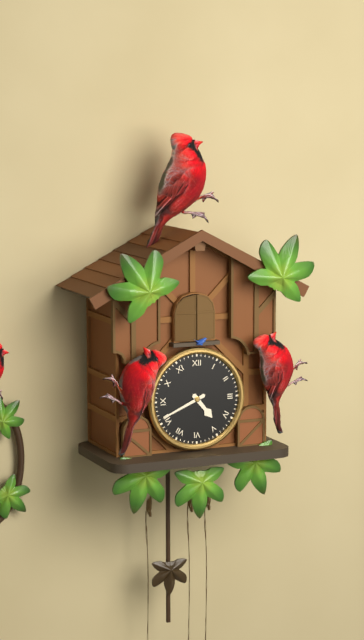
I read h=4 m=41
